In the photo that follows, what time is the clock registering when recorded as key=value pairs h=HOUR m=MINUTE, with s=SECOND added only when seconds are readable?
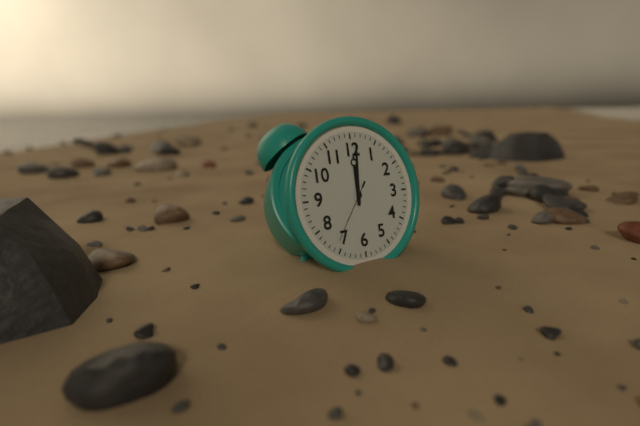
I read h=12 m=1 s=36
